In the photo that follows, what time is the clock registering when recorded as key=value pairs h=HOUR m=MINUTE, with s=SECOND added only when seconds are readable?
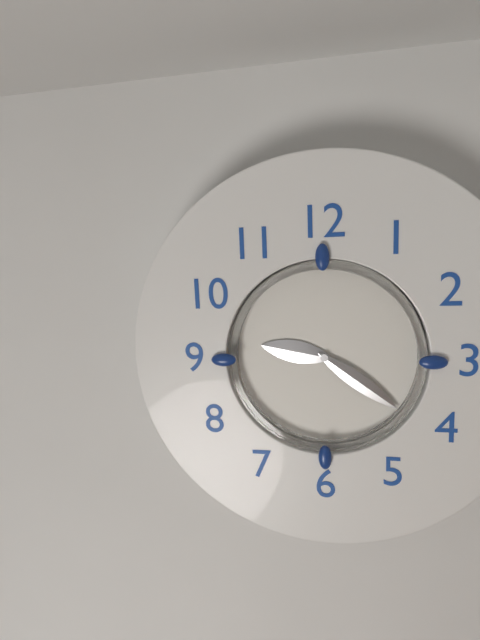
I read h=9 m=21
